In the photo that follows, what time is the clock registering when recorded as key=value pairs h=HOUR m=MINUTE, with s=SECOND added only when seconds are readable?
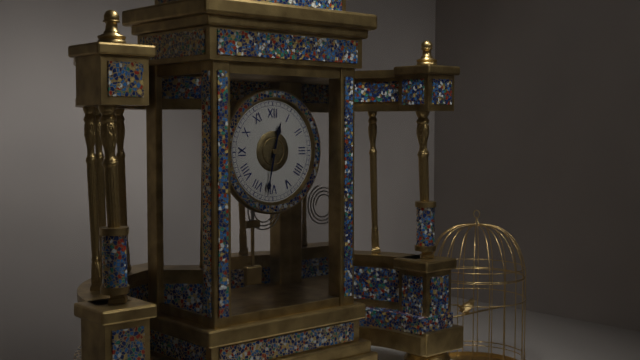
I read h=12 m=32
